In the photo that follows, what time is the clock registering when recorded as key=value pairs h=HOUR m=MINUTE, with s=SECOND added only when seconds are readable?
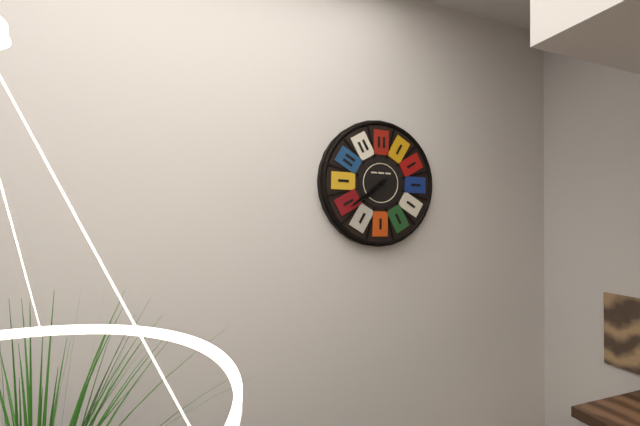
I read h=7 m=39
